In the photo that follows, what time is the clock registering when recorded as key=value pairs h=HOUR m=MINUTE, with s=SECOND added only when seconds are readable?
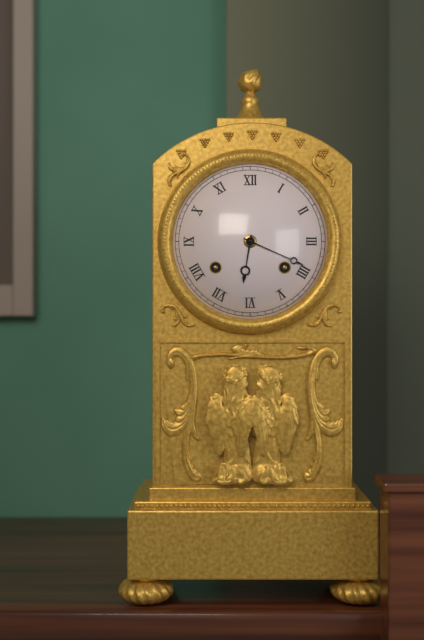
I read h=6 m=19
